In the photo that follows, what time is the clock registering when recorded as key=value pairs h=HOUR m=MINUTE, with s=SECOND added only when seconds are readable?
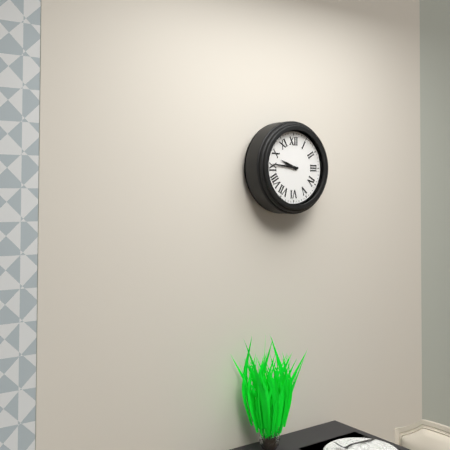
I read h=9 m=46
